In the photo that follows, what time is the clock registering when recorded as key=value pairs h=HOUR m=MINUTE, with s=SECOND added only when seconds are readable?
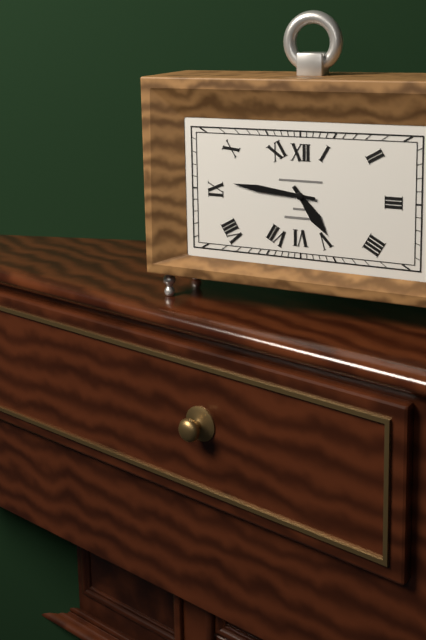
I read h=4 m=46
